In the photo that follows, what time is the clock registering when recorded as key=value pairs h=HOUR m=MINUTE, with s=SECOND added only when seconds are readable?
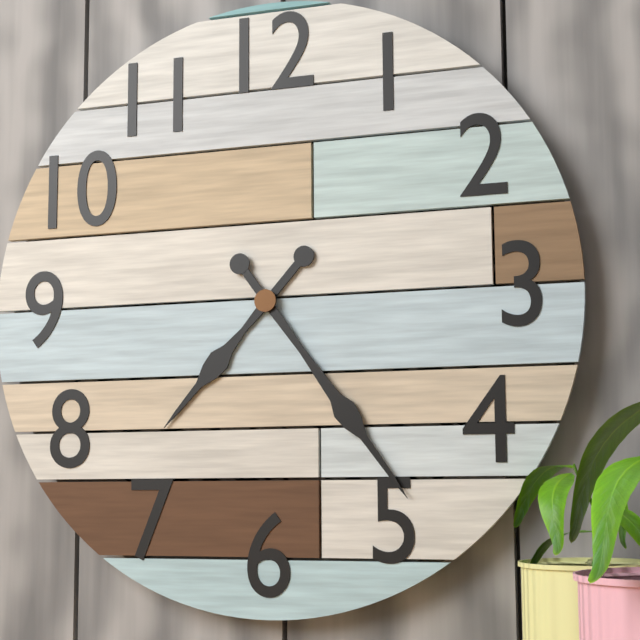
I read h=7 m=24
